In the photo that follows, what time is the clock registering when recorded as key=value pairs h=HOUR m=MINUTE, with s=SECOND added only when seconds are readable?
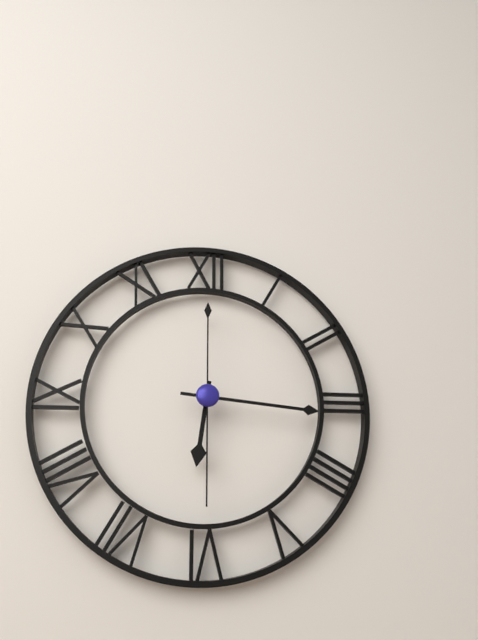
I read h=6 m=16 s=30
